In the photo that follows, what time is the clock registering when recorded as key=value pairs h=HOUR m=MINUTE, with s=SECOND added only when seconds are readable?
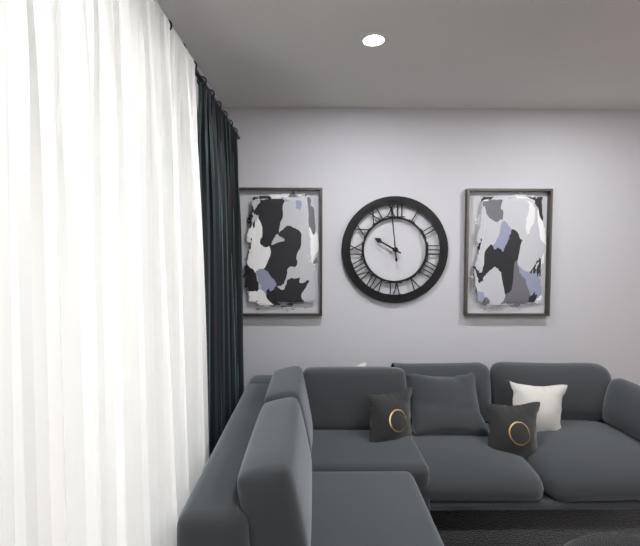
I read h=9 m=59
